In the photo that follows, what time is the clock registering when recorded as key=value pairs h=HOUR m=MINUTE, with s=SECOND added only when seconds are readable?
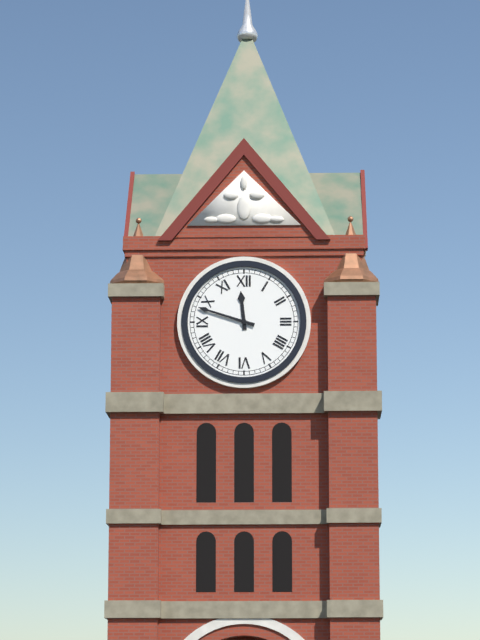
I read h=11 m=48
